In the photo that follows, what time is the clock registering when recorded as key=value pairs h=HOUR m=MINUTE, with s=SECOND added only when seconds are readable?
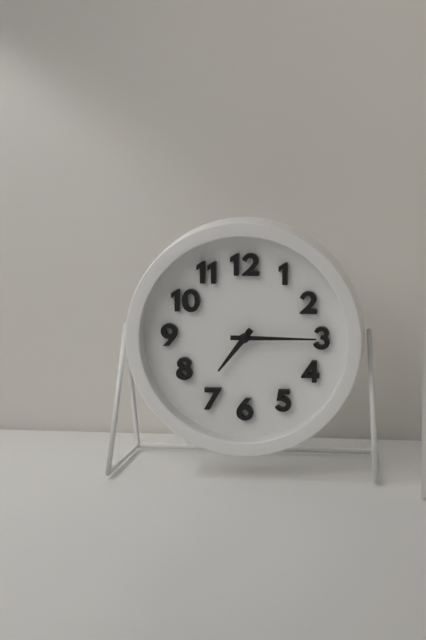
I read h=7 m=15
